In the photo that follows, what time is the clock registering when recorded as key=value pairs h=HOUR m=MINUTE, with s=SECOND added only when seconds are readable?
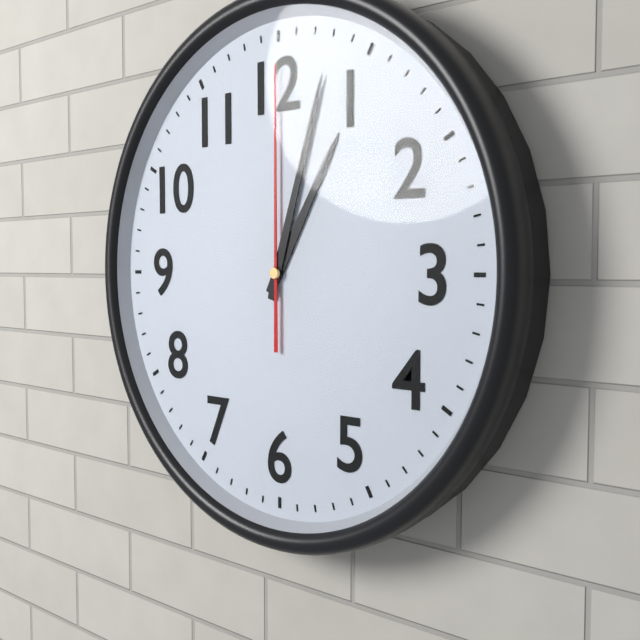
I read h=1 m=3 s=0
